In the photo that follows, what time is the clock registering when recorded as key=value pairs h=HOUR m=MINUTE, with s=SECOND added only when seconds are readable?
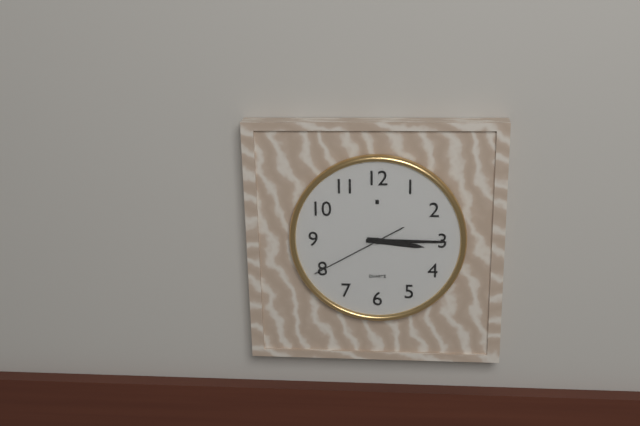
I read h=3 m=15 s=40
